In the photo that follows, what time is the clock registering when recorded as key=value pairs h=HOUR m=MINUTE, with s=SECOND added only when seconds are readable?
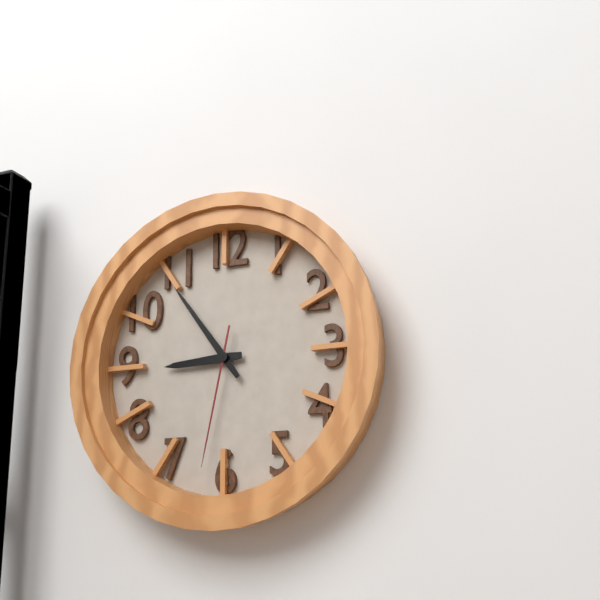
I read h=8 m=54 s=32
